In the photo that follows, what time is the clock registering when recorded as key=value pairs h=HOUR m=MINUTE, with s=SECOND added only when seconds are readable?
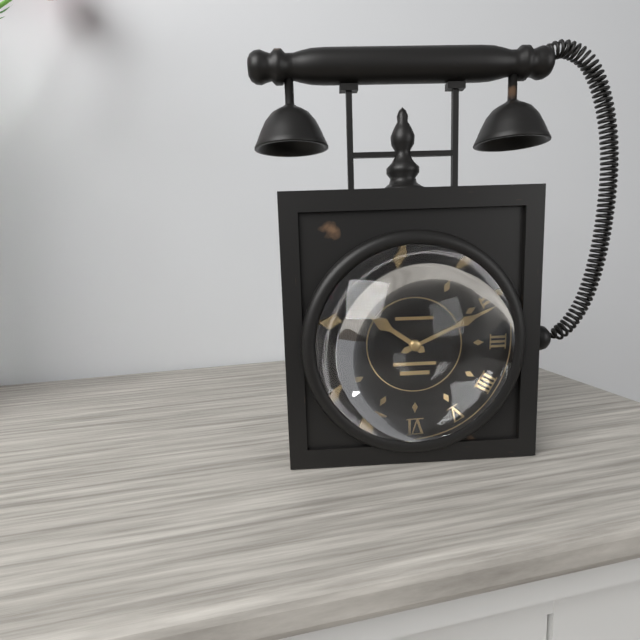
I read h=10 m=11
